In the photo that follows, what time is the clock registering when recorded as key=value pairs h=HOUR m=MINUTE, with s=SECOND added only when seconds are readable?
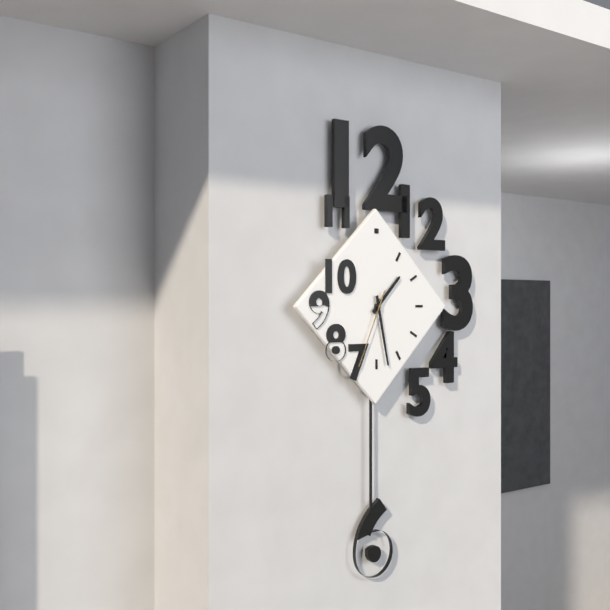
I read h=1 m=28 s=34
